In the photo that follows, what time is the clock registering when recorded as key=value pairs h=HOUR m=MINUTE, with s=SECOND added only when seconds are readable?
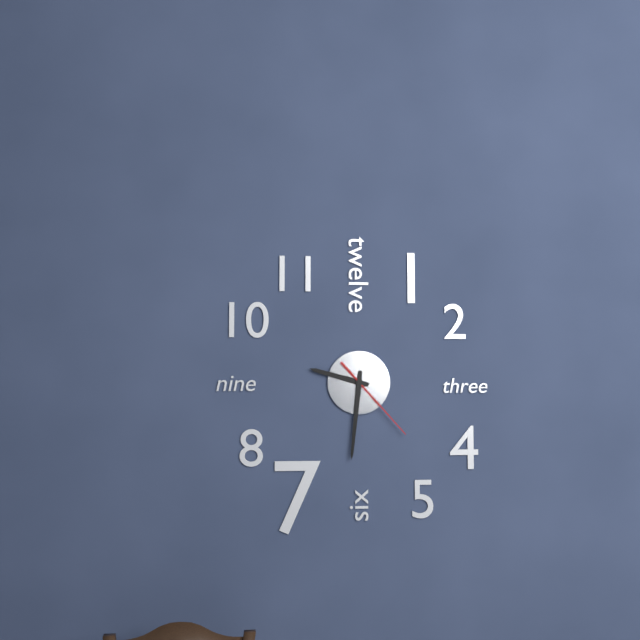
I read h=9 m=31 s=23
